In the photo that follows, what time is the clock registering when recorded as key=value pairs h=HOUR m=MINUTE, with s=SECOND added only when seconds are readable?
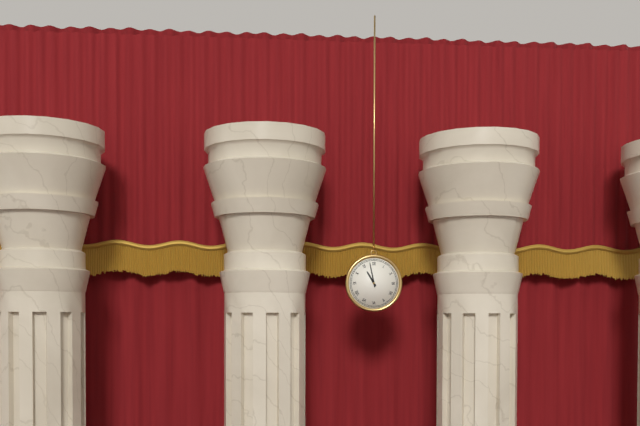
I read h=10 m=58
